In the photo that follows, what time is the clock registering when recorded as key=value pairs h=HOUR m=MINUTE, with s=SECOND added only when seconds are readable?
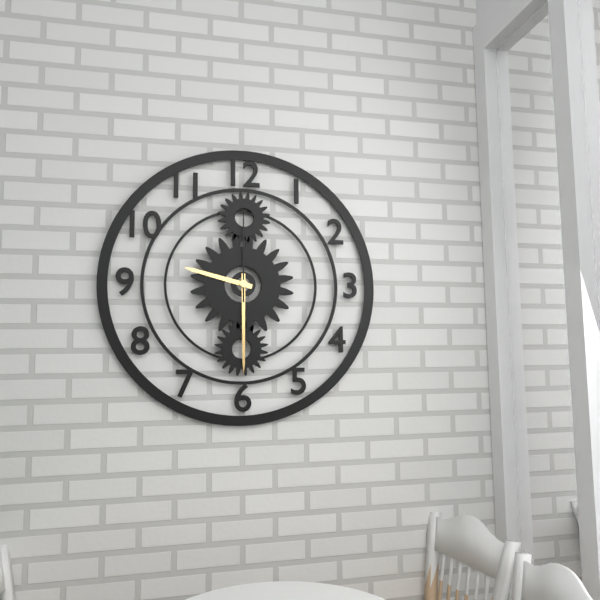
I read h=9 m=30 s=0
